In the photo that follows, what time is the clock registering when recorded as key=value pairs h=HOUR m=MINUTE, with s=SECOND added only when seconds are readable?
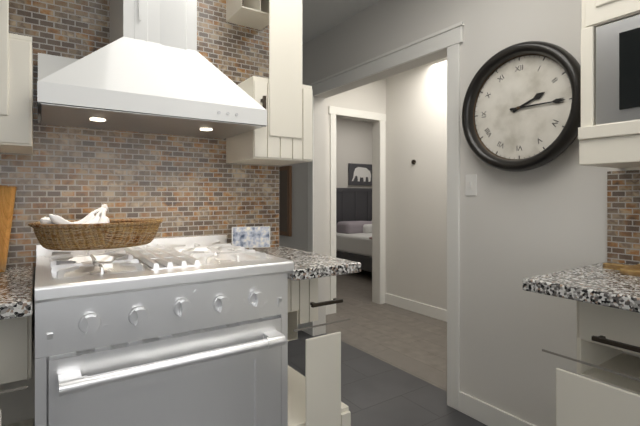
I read h=2 m=15
